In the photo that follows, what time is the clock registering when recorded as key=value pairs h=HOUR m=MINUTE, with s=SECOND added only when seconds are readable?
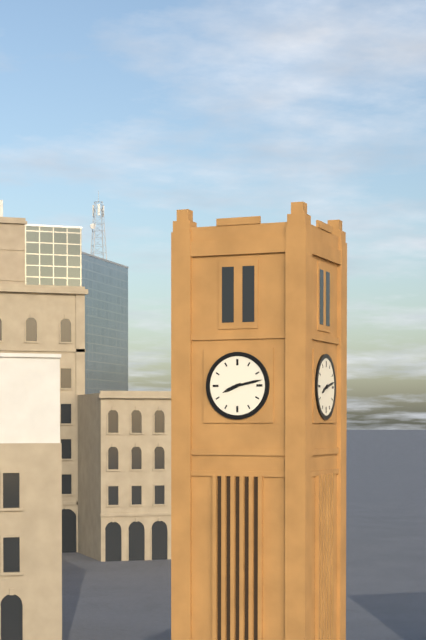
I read h=8 m=13
